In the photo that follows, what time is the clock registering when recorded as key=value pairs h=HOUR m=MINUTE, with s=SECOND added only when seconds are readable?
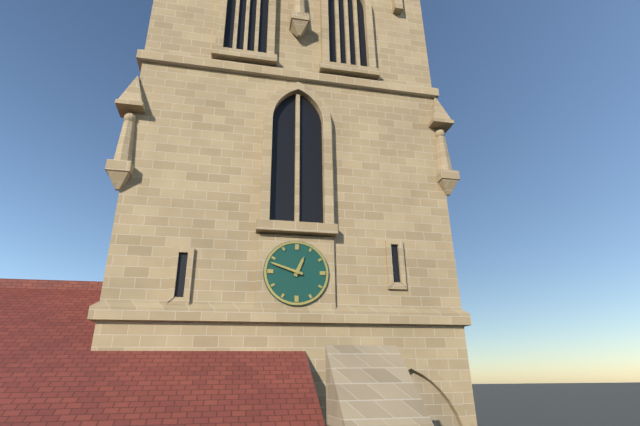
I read h=12 m=48
